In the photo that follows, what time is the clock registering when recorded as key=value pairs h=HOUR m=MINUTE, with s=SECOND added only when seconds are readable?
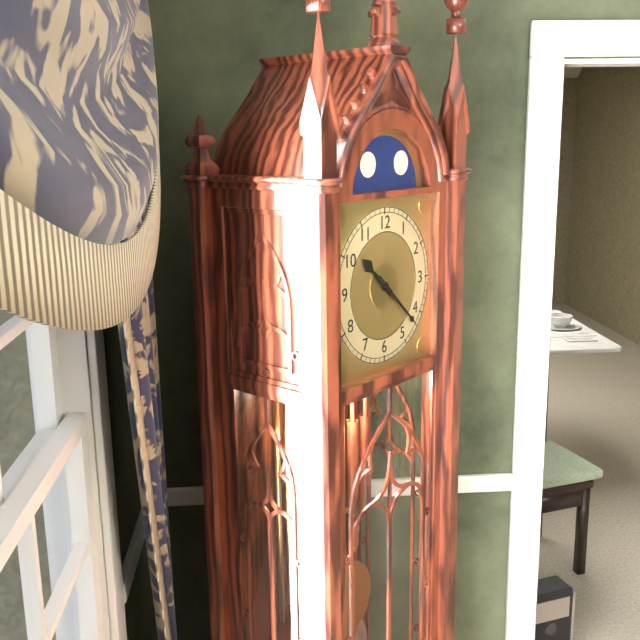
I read h=10 m=22
